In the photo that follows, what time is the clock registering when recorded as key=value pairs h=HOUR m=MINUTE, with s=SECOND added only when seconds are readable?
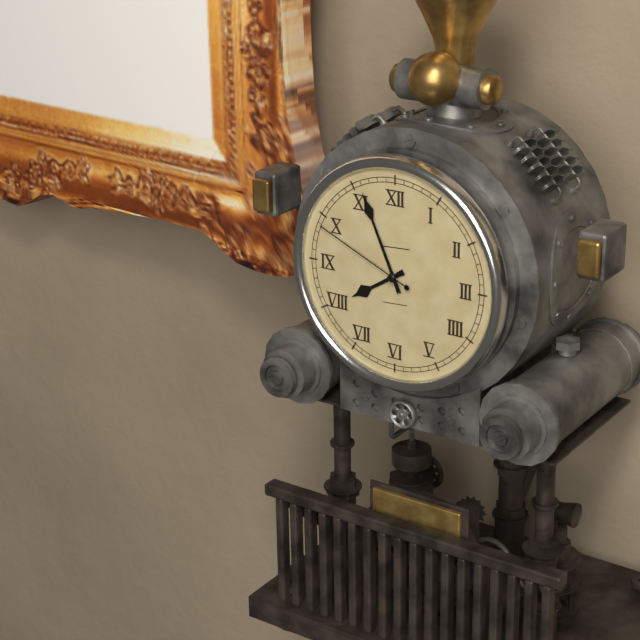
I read h=7 m=56 s=49
